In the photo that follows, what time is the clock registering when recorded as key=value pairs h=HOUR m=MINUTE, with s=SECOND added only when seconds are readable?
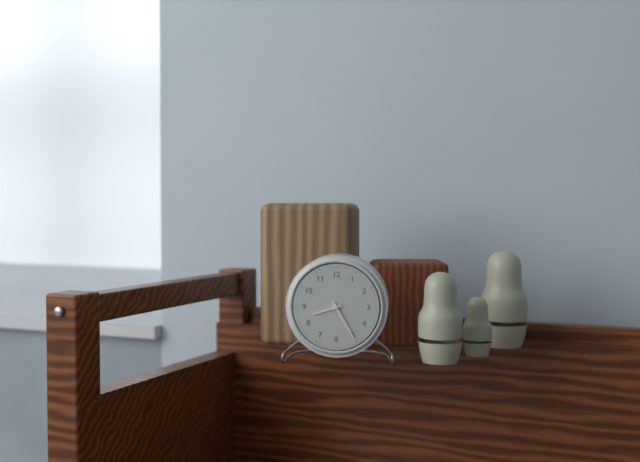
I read h=8 m=25
